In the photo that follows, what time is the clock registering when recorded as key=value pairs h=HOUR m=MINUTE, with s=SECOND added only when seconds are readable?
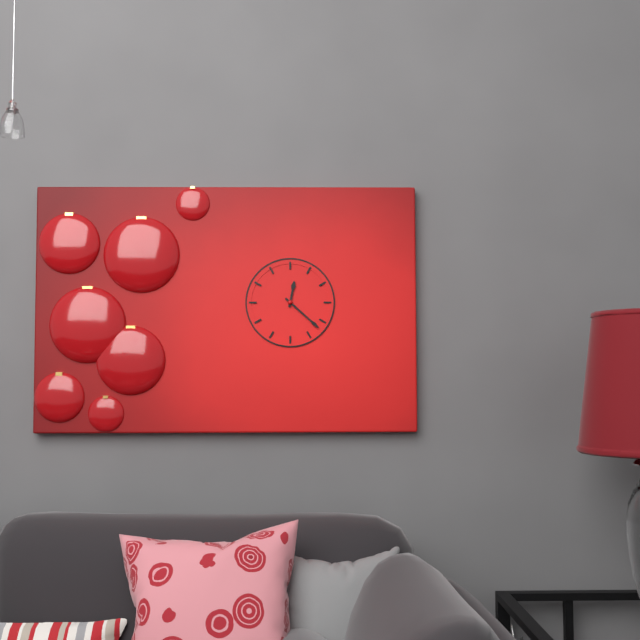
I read h=12 m=22
